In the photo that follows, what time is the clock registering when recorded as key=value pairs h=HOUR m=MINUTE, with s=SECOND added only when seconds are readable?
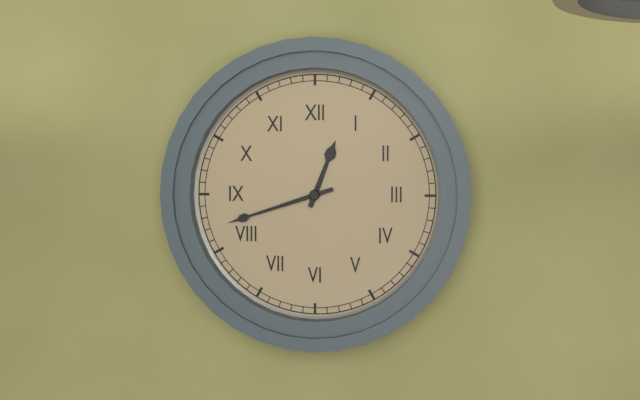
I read h=12 m=42
